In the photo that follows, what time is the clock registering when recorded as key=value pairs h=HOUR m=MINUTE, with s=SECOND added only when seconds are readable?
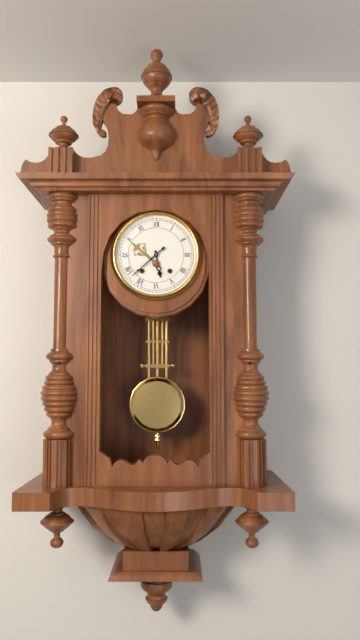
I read h=5 m=38
